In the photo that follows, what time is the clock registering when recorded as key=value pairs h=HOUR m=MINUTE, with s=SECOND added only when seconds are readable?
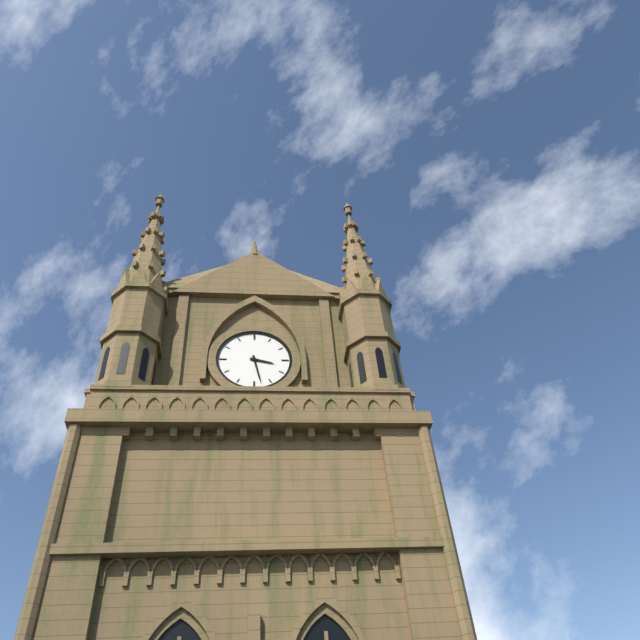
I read h=3 m=28
